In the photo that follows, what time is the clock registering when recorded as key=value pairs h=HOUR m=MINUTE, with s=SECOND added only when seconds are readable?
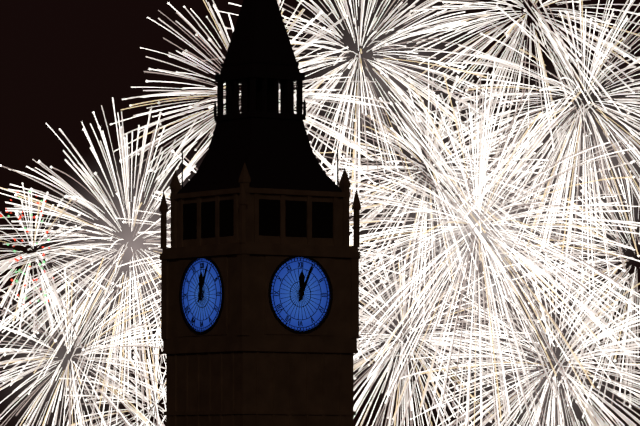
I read h=12 m=4
